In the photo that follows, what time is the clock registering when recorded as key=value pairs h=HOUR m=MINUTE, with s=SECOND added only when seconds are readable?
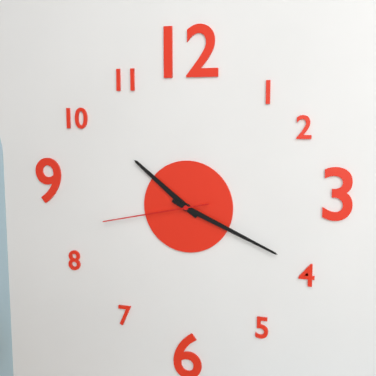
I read h=10 m=19 s=43
